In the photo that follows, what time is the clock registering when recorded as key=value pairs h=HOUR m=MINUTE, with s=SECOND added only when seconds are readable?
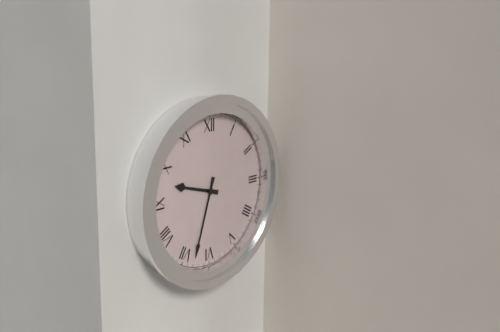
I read h=9 m=33
